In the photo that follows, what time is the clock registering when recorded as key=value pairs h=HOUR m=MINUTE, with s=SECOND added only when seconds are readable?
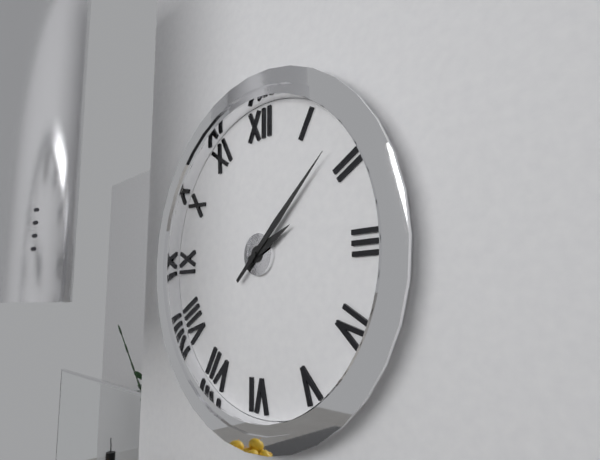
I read h=2 m=8
